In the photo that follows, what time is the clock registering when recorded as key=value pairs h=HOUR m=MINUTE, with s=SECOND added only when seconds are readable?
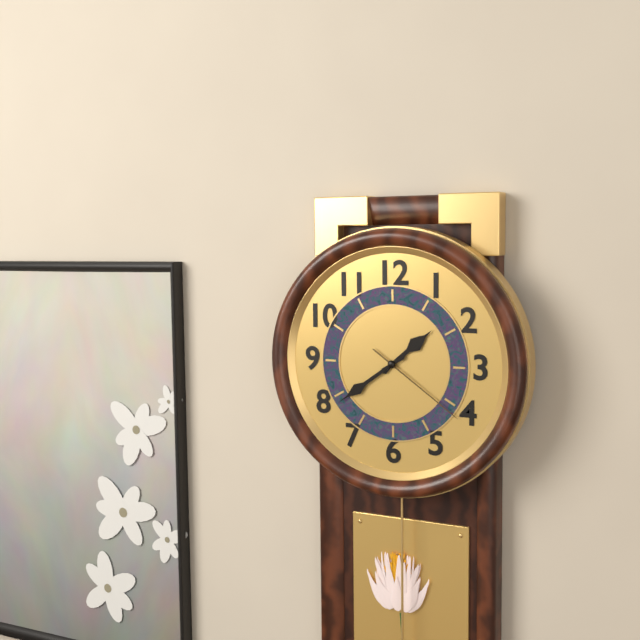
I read h=1 m=39 s=21
